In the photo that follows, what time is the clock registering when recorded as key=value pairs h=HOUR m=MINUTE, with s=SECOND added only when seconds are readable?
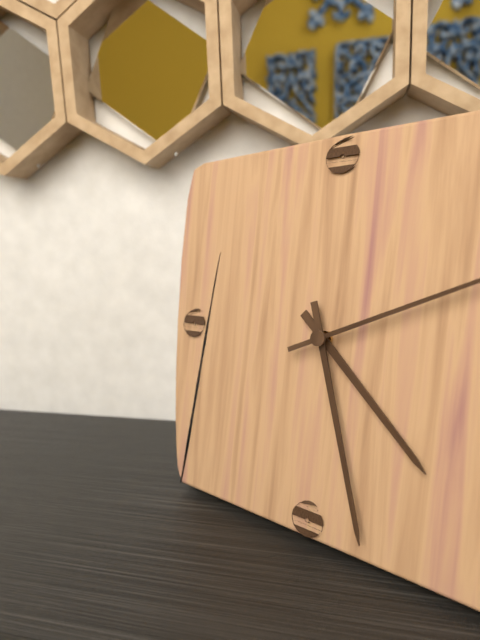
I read h=4 m=27
